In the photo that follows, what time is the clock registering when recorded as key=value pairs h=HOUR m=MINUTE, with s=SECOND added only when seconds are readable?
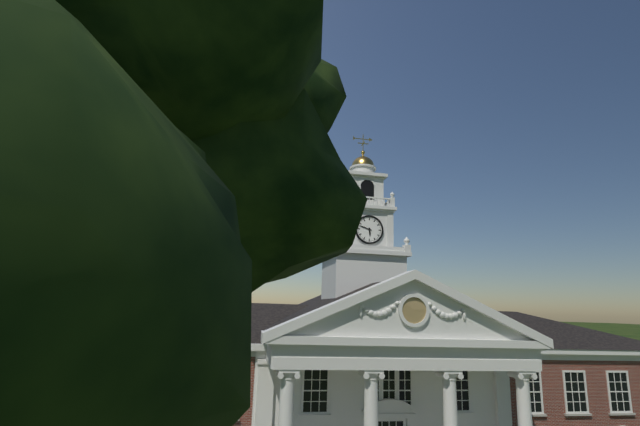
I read h=5 m=48
